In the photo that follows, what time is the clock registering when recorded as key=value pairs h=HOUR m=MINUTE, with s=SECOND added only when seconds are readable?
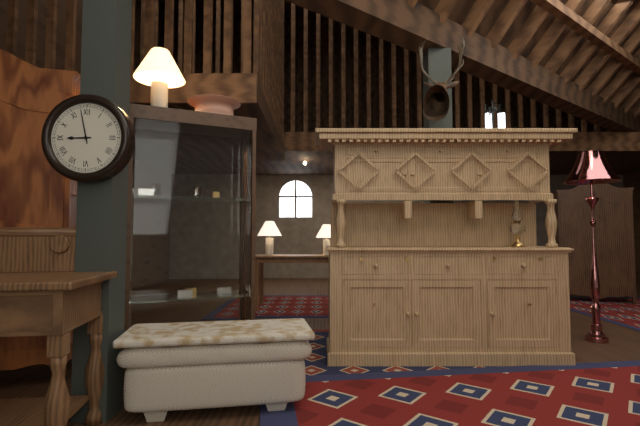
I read h=8 m=58
